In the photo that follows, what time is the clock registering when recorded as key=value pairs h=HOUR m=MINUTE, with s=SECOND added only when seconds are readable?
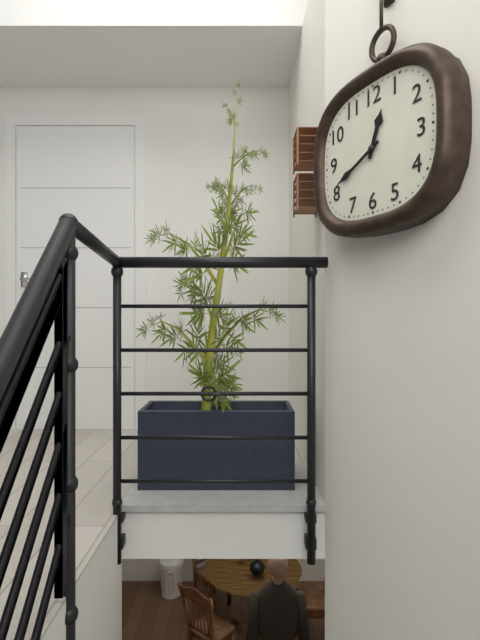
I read h=12 m=41
